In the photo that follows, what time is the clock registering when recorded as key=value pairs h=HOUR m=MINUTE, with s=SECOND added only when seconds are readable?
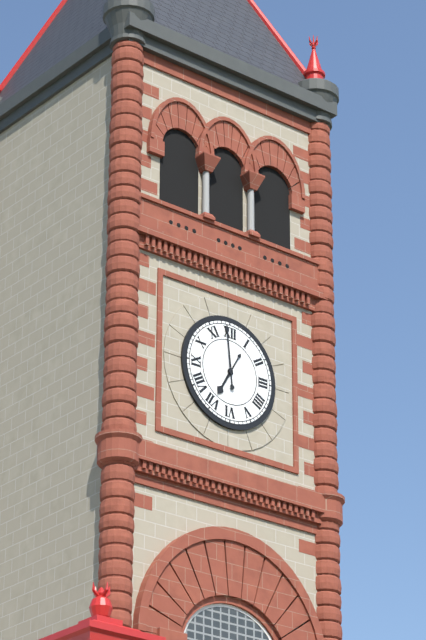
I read h=6 m=59
